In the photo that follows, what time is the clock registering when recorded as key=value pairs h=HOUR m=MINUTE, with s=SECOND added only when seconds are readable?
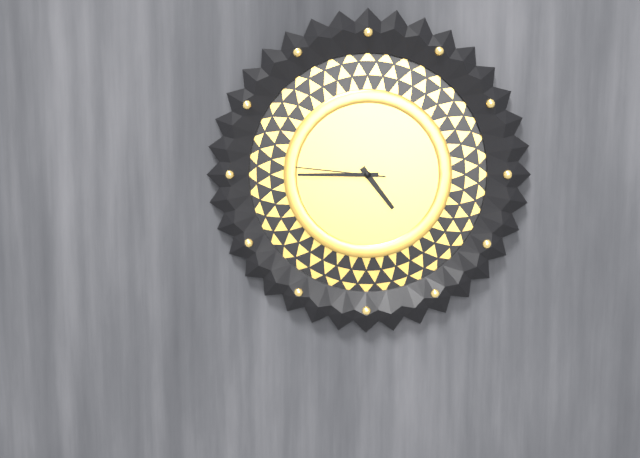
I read h=4 m=45 s=46
